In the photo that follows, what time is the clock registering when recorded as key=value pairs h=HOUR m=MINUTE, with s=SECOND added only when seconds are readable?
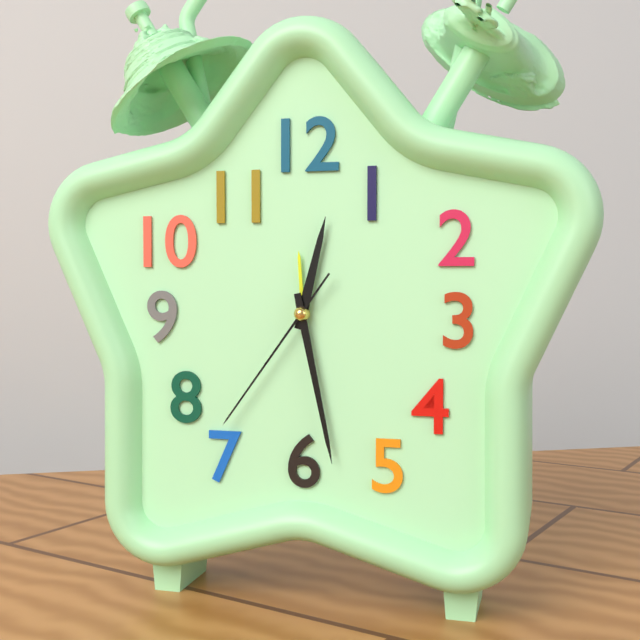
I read h=12 m=28 s=36
